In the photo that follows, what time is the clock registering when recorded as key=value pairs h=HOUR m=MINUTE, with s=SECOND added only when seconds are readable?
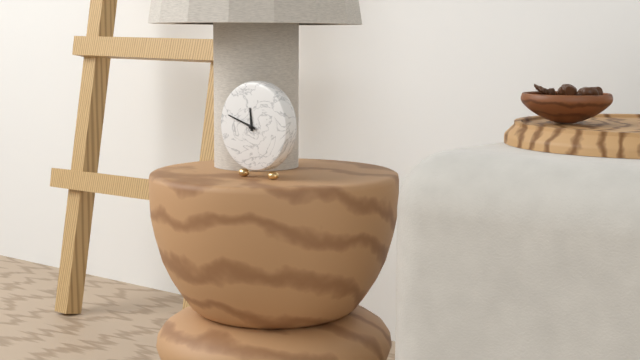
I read h=11 m=48
